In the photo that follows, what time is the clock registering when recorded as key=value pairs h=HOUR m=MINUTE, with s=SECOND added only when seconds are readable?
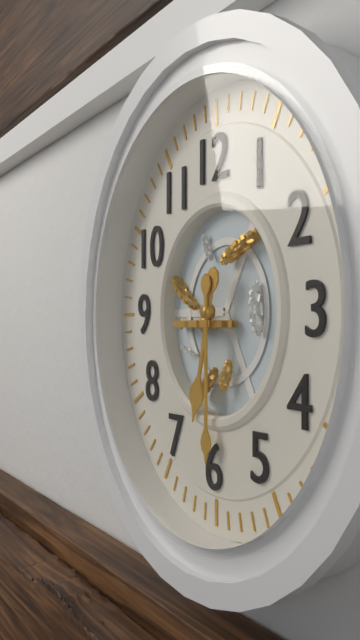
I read h=6 m=30
